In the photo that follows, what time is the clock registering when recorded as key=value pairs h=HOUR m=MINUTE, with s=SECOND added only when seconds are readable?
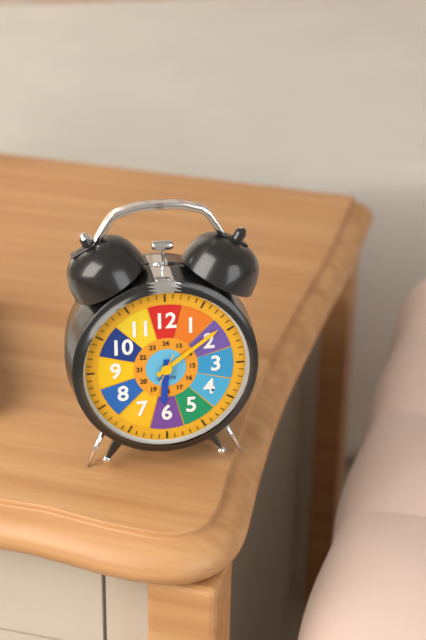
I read h=6 m=9 s=34
